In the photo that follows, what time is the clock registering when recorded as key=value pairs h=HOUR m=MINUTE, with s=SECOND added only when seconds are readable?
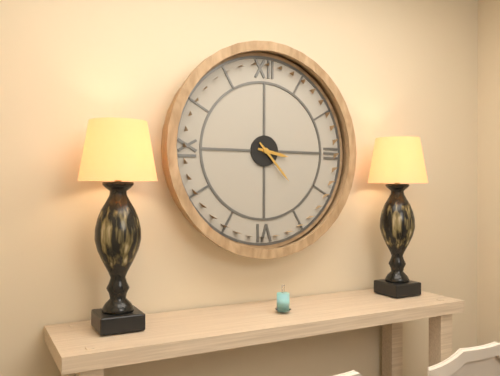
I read h=3 m=23
